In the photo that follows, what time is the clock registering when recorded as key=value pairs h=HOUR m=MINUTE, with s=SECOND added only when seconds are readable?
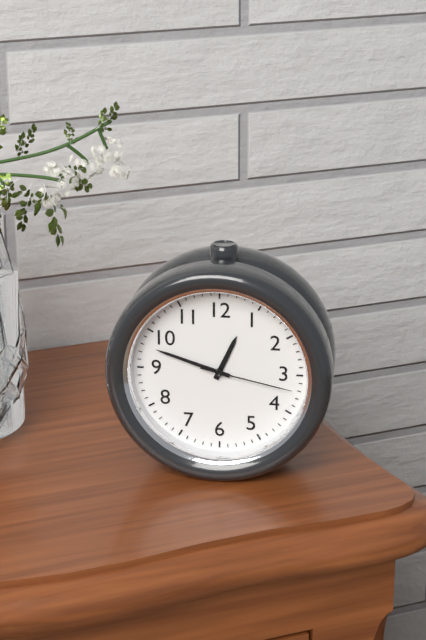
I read h=12 m=48 s=17
